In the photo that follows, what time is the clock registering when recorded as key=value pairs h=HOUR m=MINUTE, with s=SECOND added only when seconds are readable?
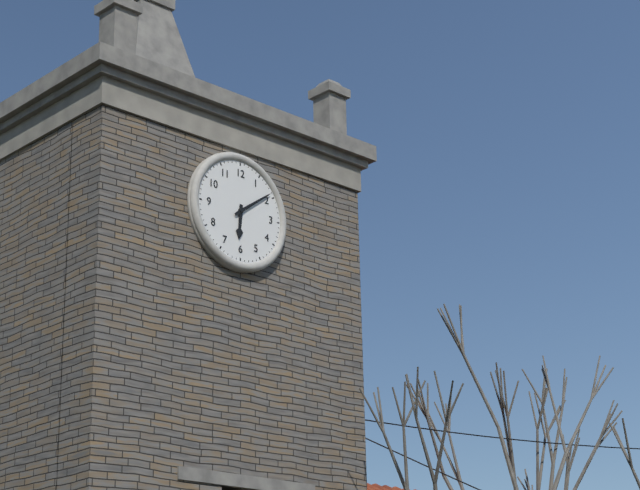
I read h=6 m=9
